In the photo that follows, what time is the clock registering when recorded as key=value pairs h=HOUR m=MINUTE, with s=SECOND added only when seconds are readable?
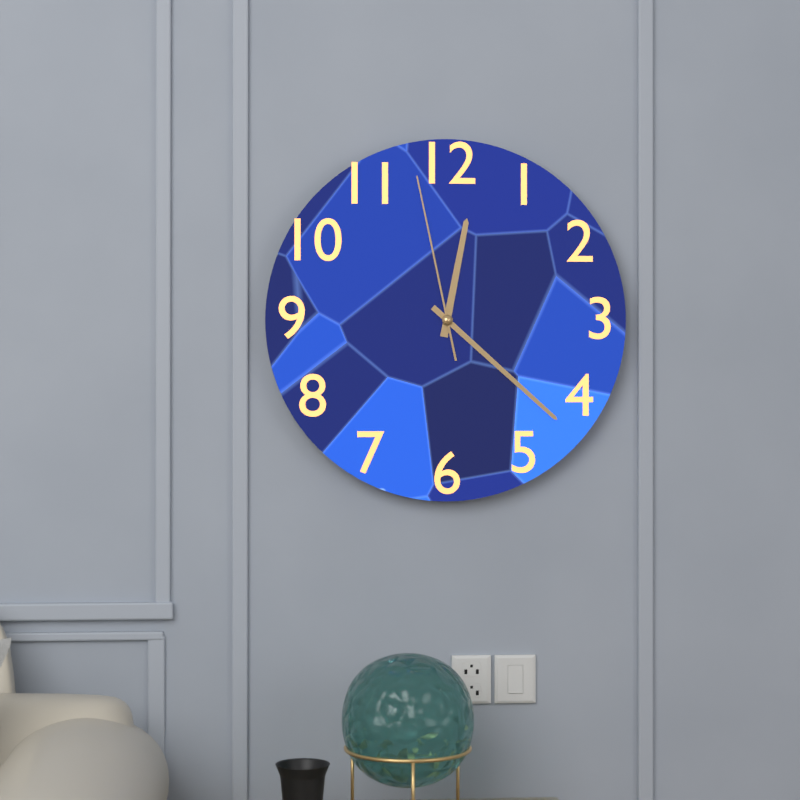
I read h=12 m=22 s=58
